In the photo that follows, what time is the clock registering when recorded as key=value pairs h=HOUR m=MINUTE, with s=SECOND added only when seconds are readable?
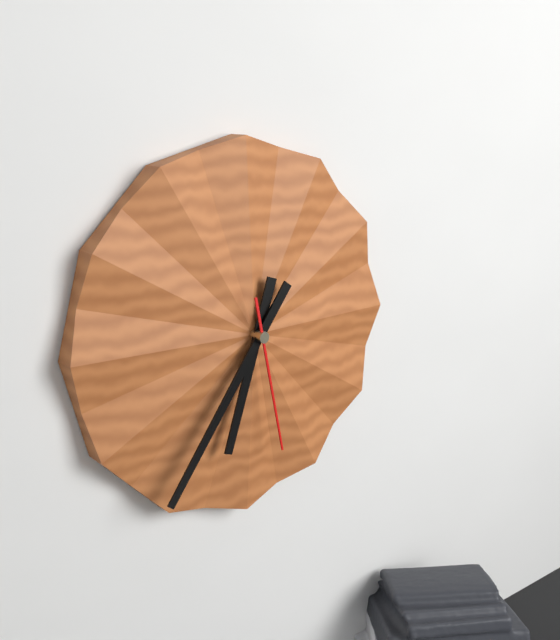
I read h=6 m=36 s=28
